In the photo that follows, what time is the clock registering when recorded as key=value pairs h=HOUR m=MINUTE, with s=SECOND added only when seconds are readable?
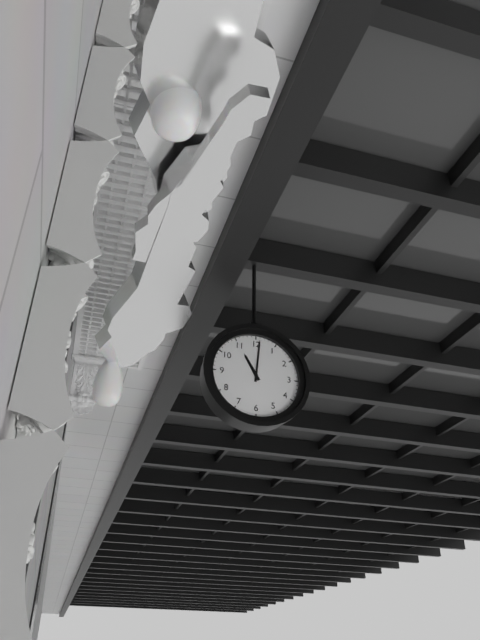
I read h=11 m=1
